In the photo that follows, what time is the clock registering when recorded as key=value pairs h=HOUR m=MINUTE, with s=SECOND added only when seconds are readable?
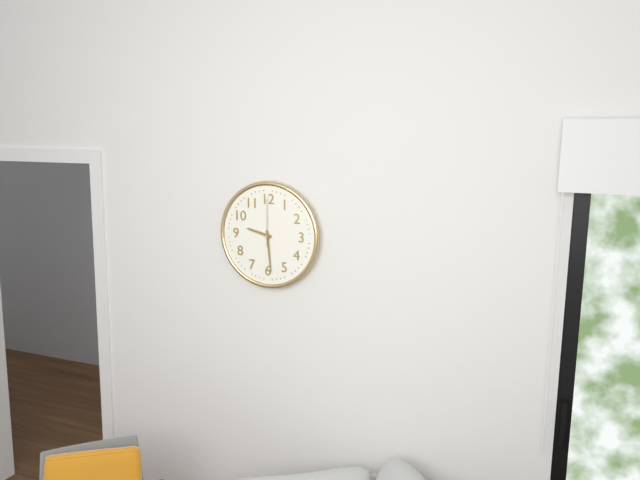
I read h=9 m=29
